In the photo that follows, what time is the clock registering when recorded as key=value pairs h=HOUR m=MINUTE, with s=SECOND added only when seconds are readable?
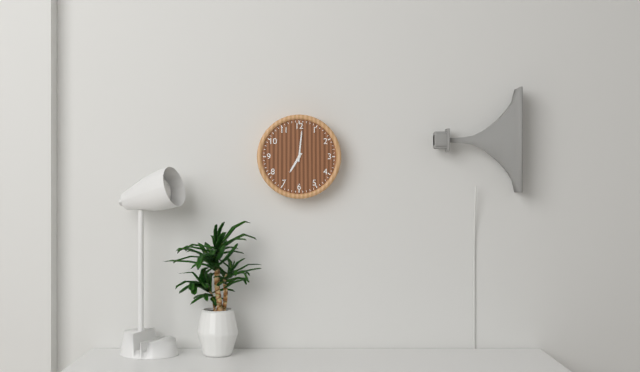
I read h=7 m=1
